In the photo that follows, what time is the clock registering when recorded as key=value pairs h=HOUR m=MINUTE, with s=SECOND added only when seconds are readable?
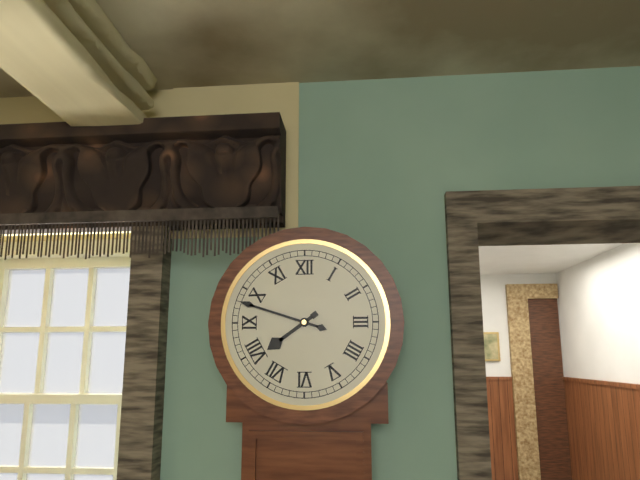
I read h=7 m=48
